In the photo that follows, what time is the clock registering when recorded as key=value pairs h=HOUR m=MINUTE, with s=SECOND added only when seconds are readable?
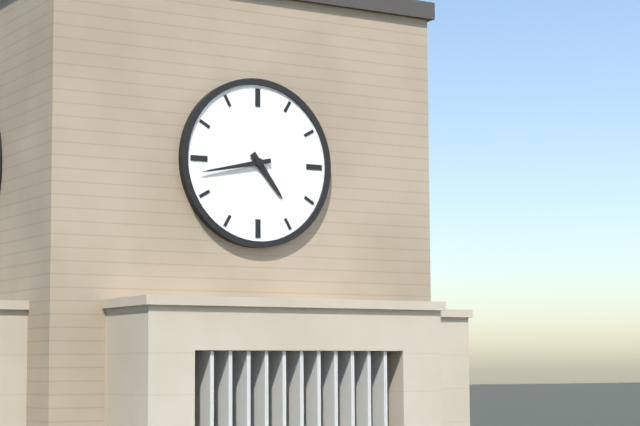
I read h=4 m=43
